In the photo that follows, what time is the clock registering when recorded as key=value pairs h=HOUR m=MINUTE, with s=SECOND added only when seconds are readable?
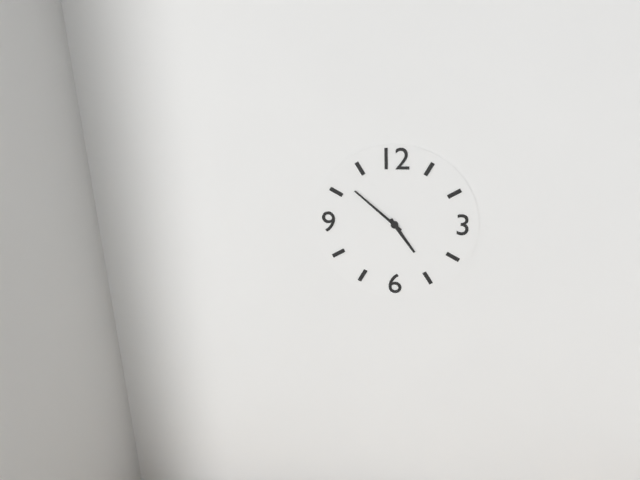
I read h=4 m=52
